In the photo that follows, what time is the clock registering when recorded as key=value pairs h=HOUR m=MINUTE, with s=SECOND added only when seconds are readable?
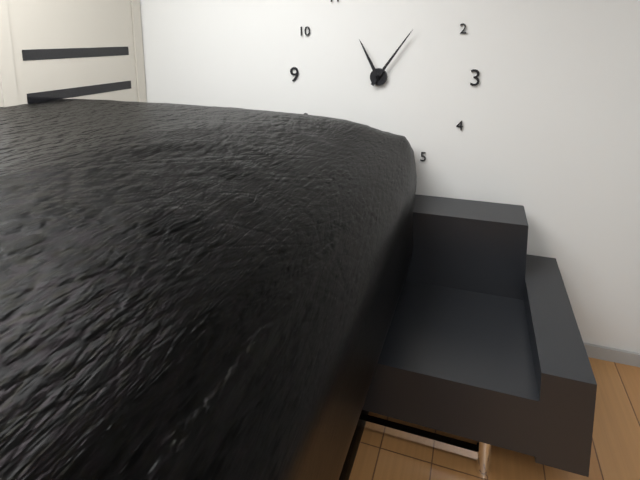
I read h=11 m=6
